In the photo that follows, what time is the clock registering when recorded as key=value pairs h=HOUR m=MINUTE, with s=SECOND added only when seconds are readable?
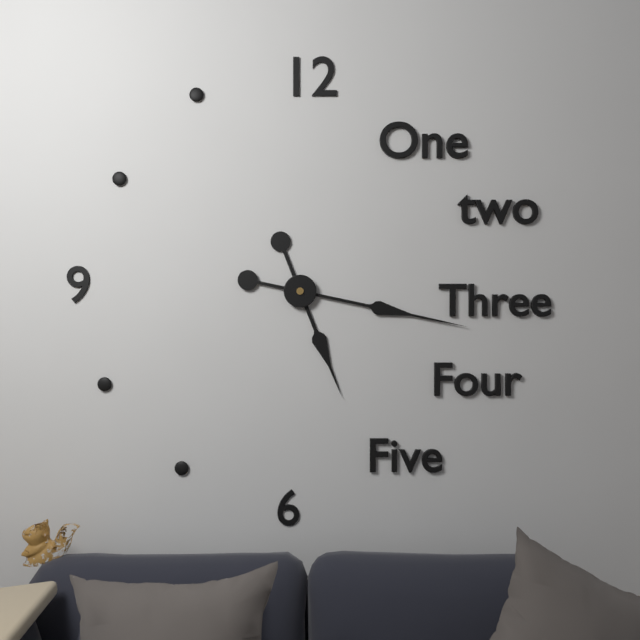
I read h=5 m=17
